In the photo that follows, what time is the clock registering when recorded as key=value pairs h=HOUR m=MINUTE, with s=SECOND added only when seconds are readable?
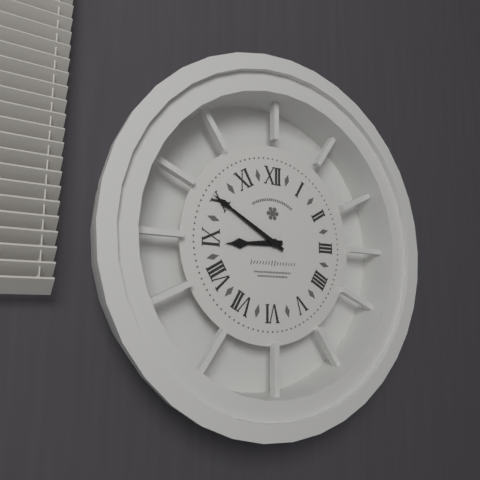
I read h=8 m=50
